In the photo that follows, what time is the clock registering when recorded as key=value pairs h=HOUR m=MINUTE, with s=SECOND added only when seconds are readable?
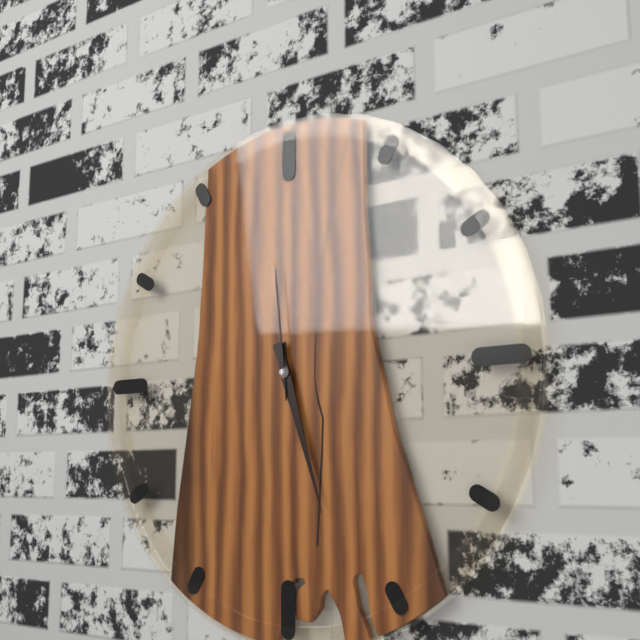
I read h=5 m=27 s=59
